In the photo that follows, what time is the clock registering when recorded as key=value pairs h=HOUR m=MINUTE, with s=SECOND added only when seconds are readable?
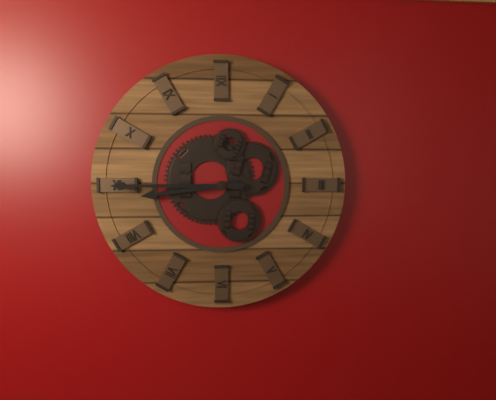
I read h=8 m=45
